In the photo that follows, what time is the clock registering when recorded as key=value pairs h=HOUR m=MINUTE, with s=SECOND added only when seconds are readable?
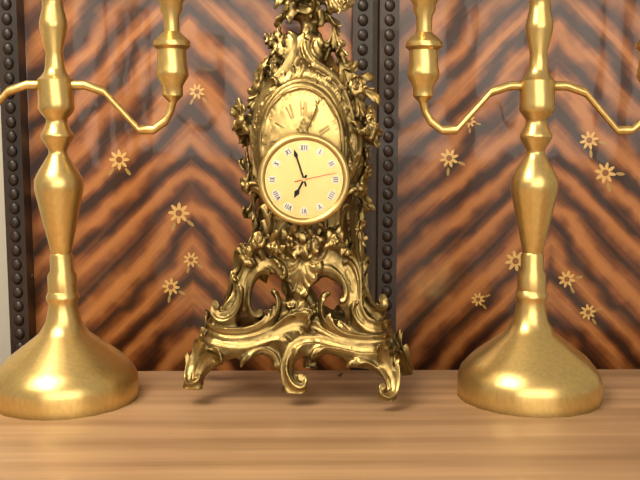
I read h=6 m=57
